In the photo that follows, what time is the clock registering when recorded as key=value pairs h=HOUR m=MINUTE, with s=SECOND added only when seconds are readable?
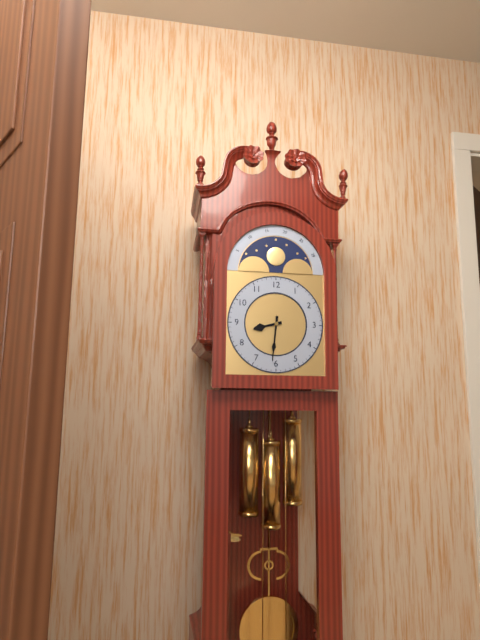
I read h=8 m=31
